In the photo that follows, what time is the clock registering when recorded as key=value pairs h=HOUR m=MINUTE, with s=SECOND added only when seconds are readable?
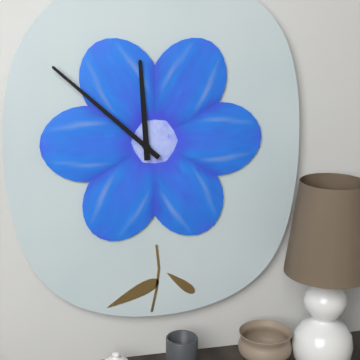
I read h=11 m=52
